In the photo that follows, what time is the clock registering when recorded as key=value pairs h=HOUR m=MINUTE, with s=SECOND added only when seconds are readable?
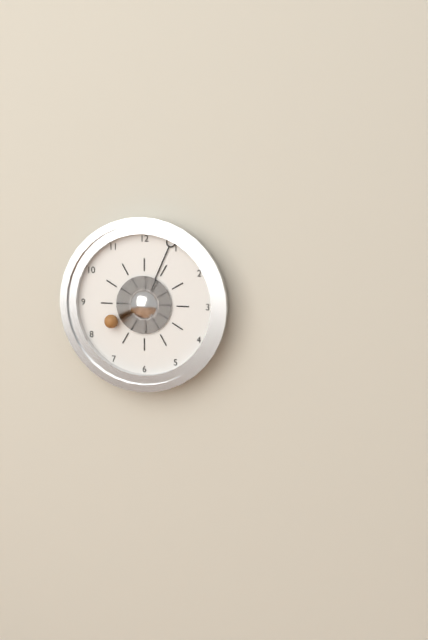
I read h=8 m=4
